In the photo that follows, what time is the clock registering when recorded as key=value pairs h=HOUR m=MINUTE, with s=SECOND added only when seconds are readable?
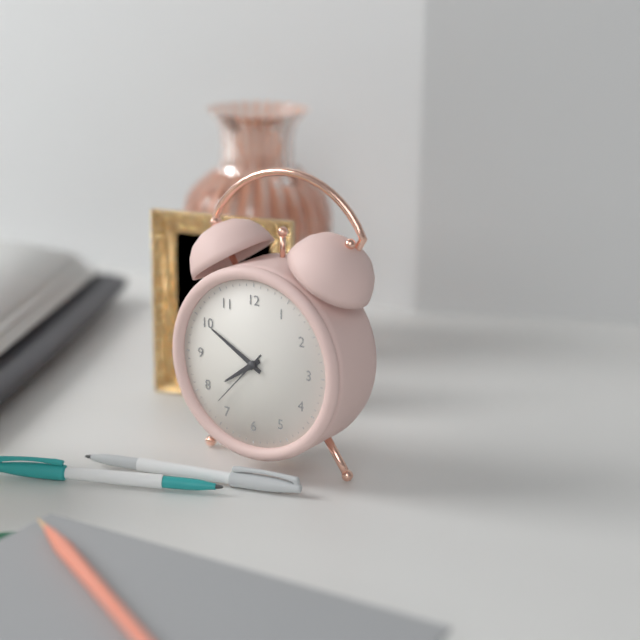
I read h=7 m=50 s=37
